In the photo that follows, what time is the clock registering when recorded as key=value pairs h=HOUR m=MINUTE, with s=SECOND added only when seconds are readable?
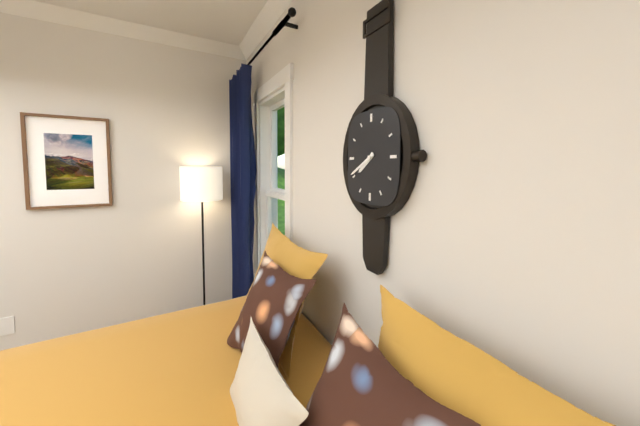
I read h=7 m=40
